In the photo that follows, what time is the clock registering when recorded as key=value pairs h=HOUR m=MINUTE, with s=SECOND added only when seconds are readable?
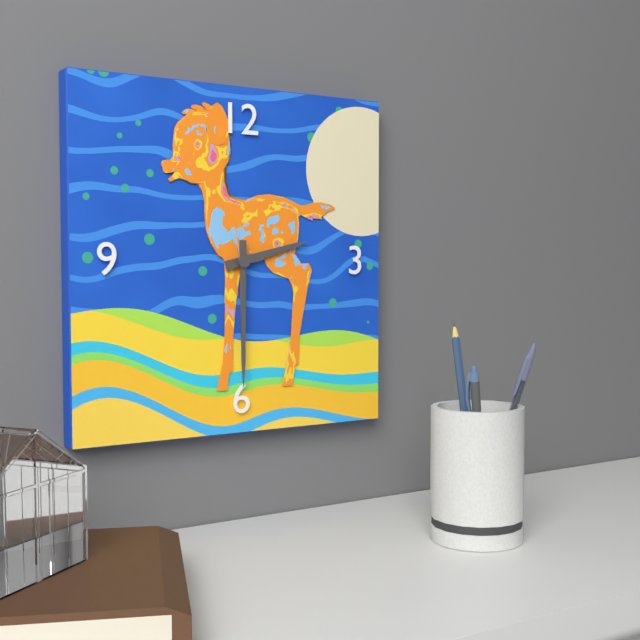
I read h=2 m=30
